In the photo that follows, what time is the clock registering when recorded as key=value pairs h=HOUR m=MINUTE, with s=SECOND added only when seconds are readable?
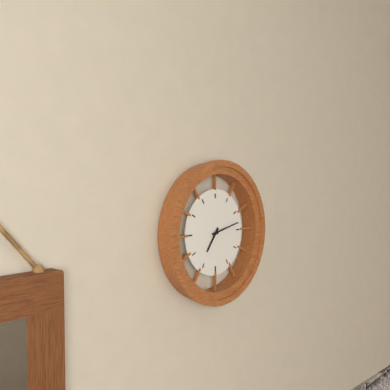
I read h=7 m=13
